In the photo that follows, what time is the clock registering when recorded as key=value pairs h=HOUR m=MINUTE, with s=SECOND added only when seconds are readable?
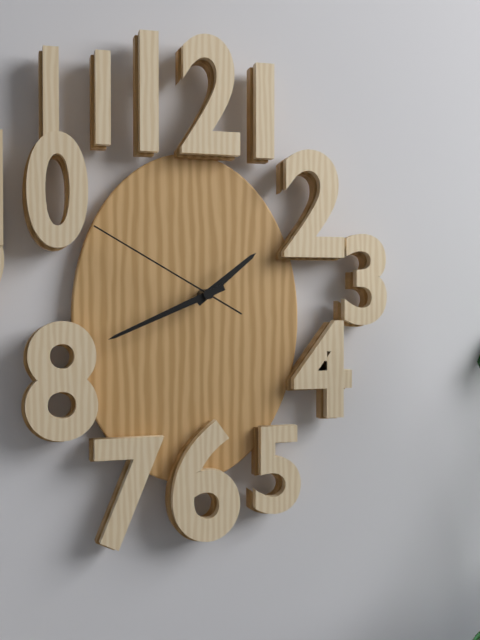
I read h=1 m=41 s=50
